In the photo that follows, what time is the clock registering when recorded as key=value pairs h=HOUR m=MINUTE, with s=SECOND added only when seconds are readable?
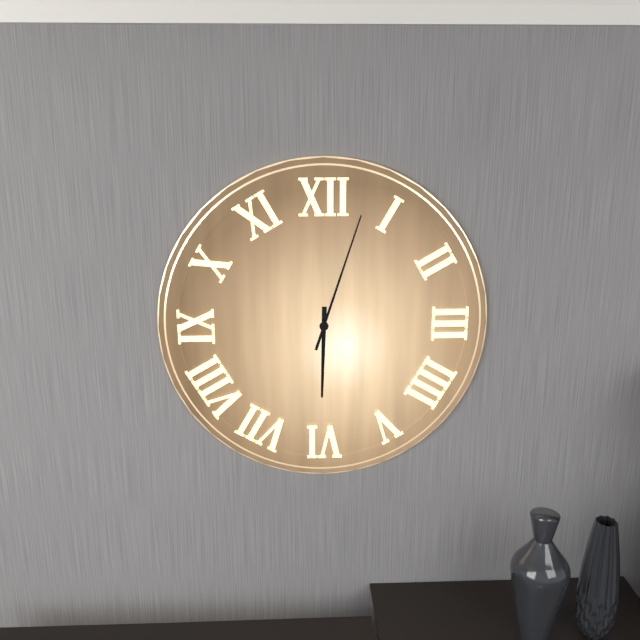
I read h=6 m=3
